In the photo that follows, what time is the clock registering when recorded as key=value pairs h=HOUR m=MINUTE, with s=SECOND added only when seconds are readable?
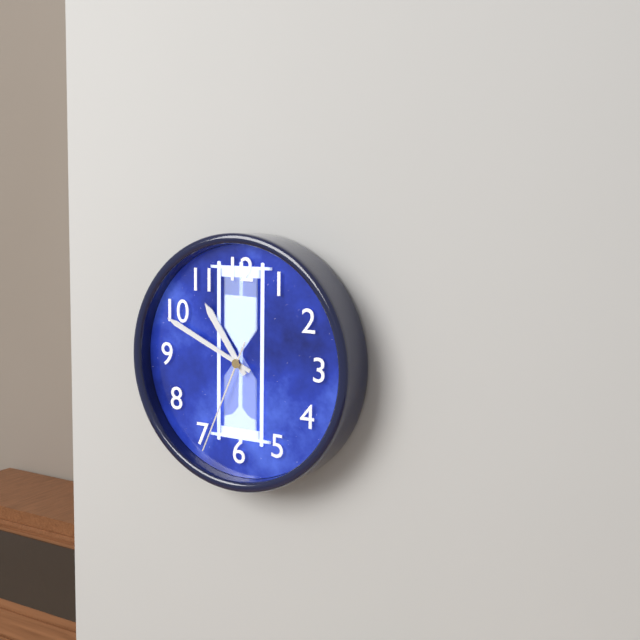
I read h=10 m=49 s=34
